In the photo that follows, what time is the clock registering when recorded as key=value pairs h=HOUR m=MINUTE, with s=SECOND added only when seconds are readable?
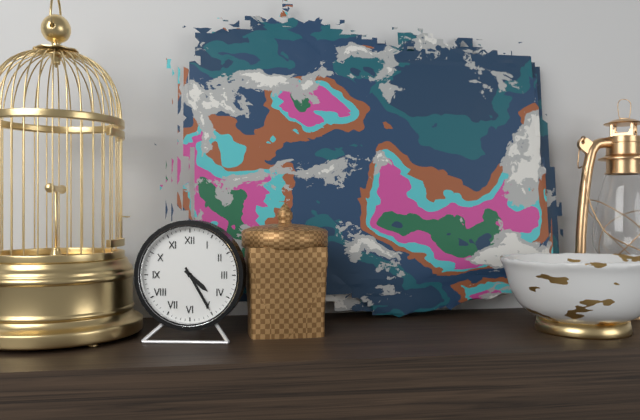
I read h=4 m=25
